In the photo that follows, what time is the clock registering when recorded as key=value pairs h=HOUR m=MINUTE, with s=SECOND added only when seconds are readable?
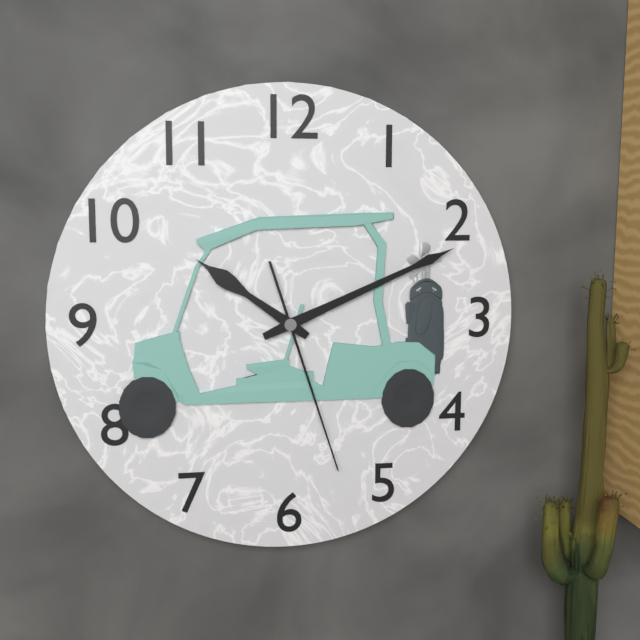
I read h=10 m=11 s=27
